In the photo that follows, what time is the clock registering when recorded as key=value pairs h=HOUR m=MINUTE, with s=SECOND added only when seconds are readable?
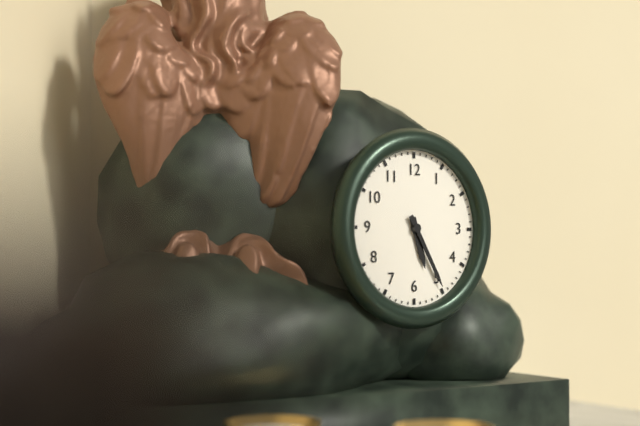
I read h=5 m=25
